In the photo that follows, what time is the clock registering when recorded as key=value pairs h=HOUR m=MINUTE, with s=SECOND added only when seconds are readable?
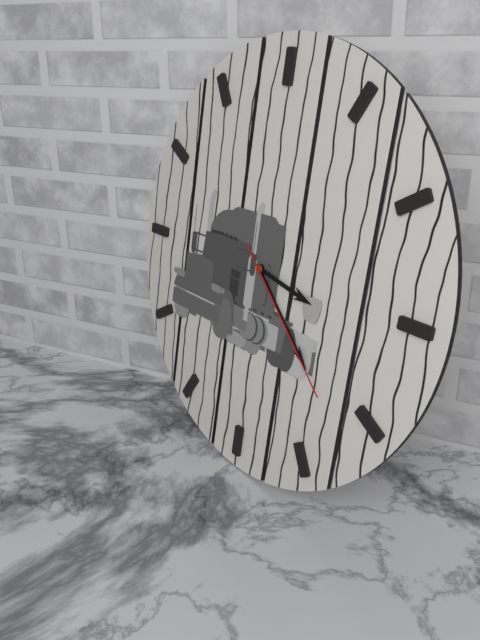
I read h=3 m=22 s=22
